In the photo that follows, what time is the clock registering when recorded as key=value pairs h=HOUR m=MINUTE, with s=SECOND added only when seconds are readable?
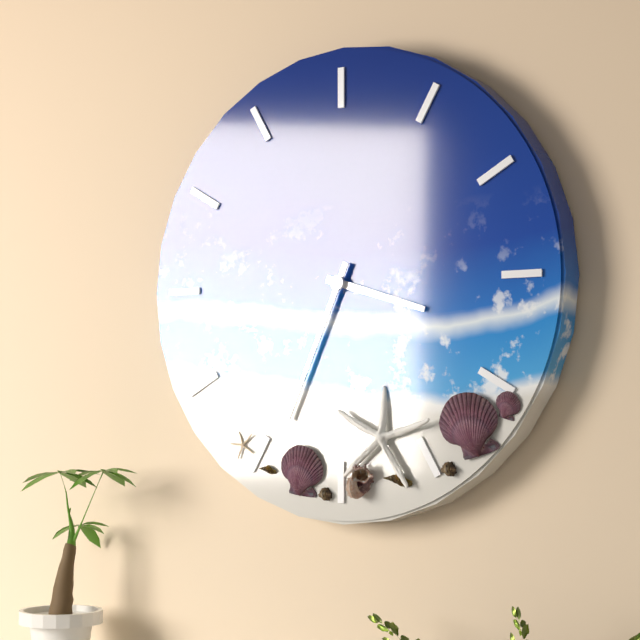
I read h=3 m=34
